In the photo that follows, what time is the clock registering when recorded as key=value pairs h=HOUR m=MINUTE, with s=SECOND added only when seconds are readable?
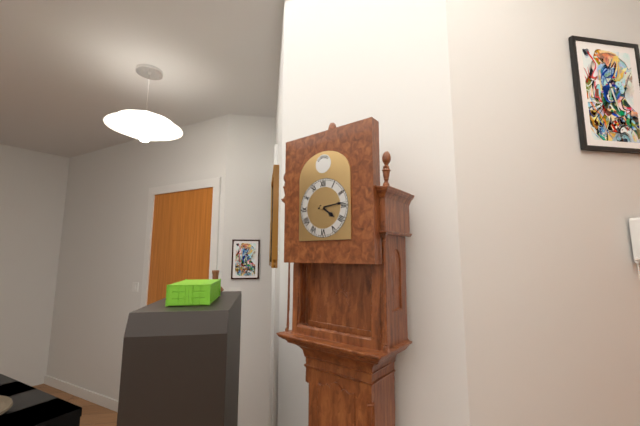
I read h=4 m=14
